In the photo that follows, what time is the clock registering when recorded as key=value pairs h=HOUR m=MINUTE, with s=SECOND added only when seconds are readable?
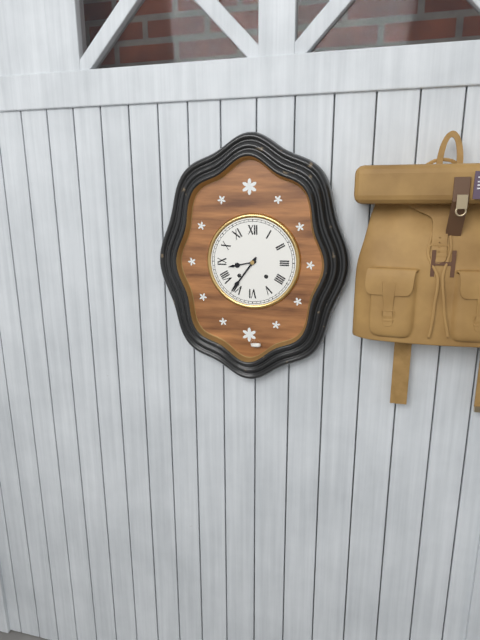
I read h=8 m=36
